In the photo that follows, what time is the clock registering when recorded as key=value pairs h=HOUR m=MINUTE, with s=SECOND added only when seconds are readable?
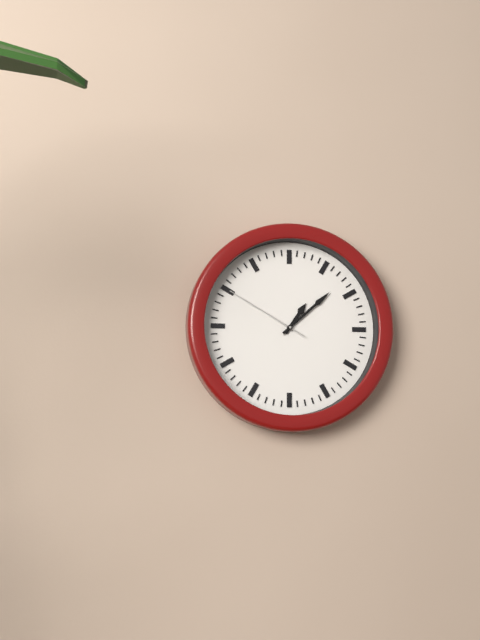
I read h=1 m=8 s=50
